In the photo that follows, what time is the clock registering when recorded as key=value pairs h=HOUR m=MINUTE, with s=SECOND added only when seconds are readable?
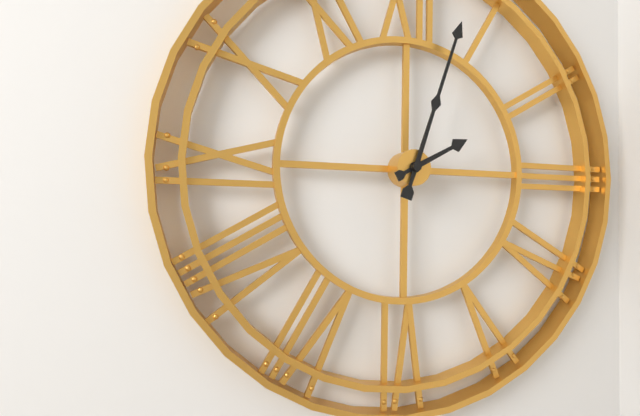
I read h=2 m=3
